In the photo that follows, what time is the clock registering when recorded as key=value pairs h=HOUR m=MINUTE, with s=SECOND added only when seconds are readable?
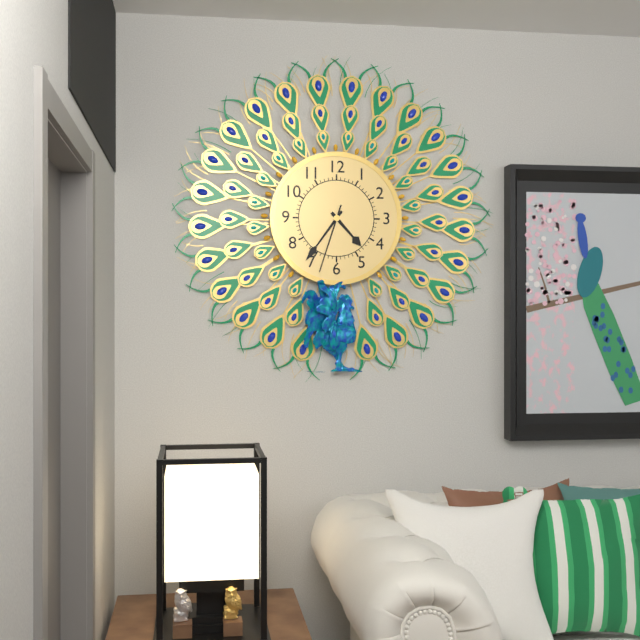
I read h=4 m=36 s=33
